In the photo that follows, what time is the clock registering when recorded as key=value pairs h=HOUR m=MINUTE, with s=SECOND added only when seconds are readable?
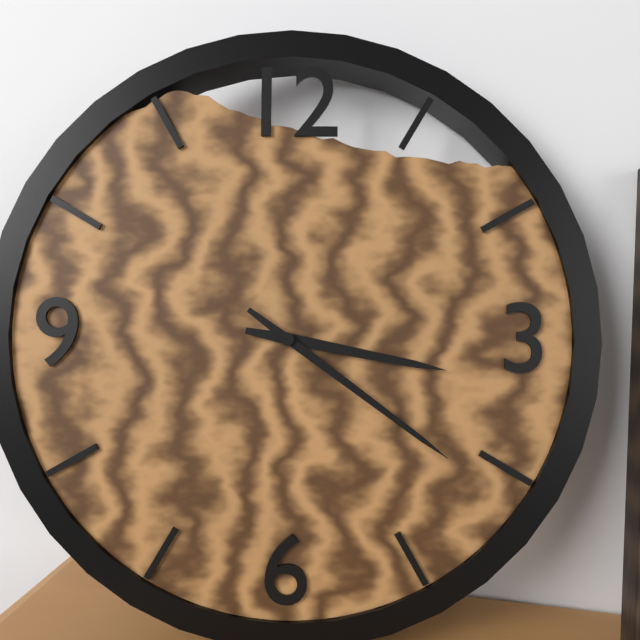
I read h=3 m=21
